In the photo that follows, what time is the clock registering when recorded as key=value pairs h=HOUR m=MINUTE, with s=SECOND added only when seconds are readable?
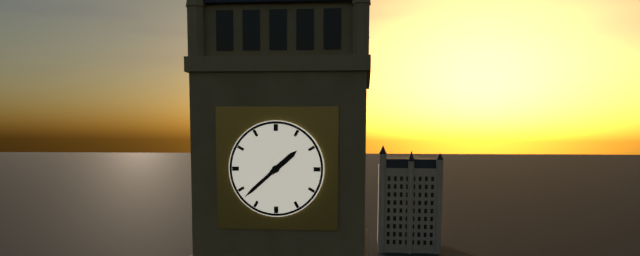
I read h=1 m=38
